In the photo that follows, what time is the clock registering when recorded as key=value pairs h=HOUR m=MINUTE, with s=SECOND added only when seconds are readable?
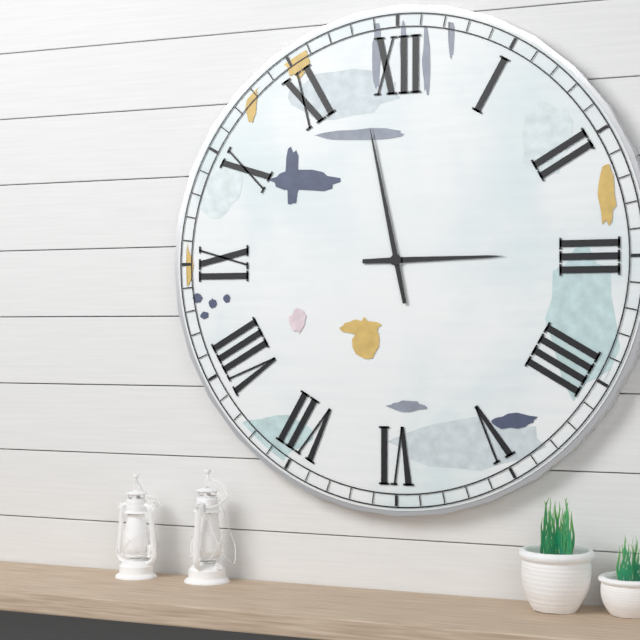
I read h=2 m=58
